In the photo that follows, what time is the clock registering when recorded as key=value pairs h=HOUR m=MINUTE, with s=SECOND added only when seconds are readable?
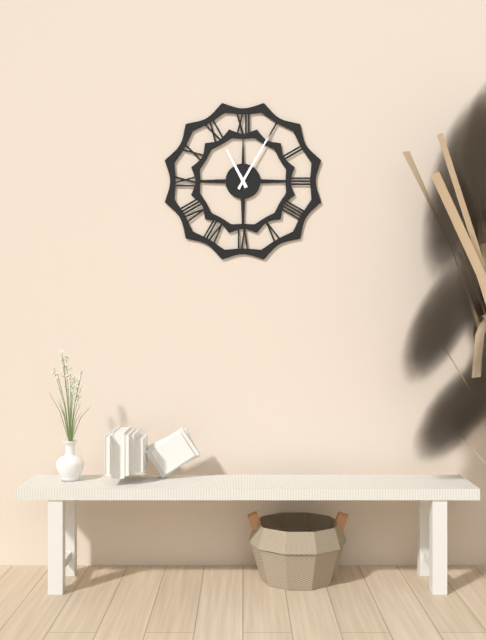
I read h=11 m=5
